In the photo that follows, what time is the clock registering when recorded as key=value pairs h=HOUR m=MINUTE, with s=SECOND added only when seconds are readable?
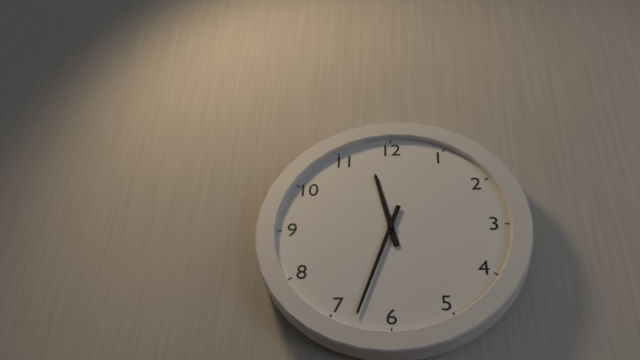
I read h=11 m=33
